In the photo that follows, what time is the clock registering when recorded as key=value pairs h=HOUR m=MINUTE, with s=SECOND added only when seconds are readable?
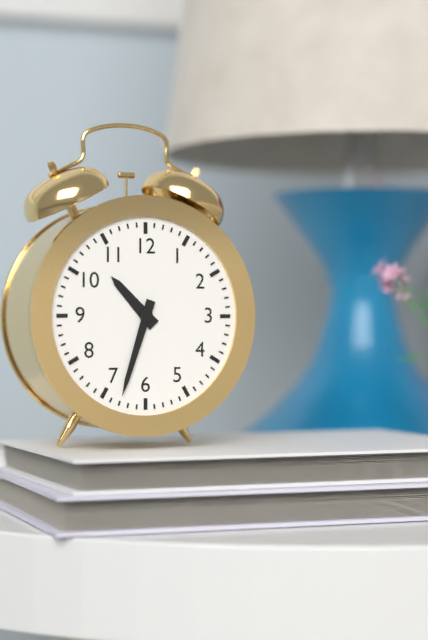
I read h=10 m=33
